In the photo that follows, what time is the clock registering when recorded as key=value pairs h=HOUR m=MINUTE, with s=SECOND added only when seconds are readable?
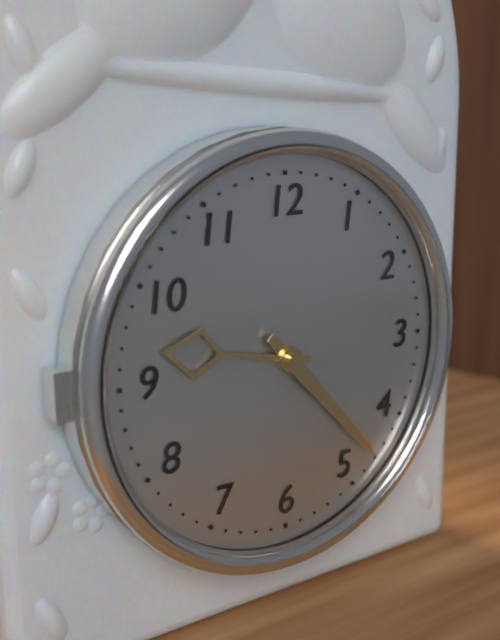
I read h=9 m=23
